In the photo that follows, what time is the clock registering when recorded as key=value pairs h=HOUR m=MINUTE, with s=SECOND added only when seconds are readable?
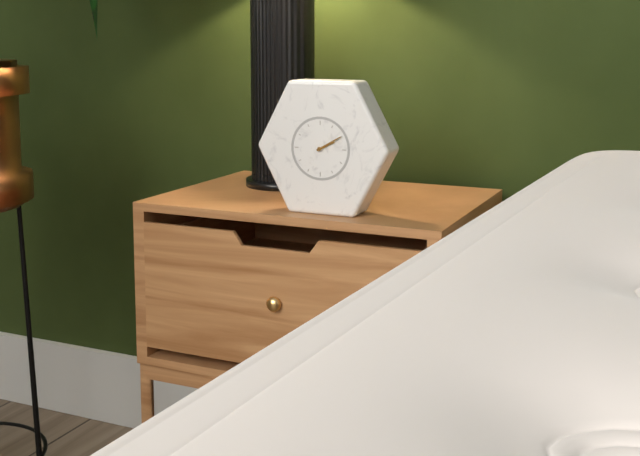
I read h=2 m=10
